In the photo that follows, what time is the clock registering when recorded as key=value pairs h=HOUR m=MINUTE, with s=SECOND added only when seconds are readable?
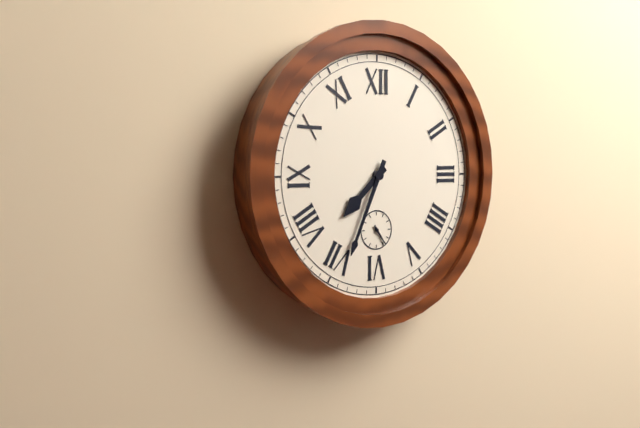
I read h=7 m=34
